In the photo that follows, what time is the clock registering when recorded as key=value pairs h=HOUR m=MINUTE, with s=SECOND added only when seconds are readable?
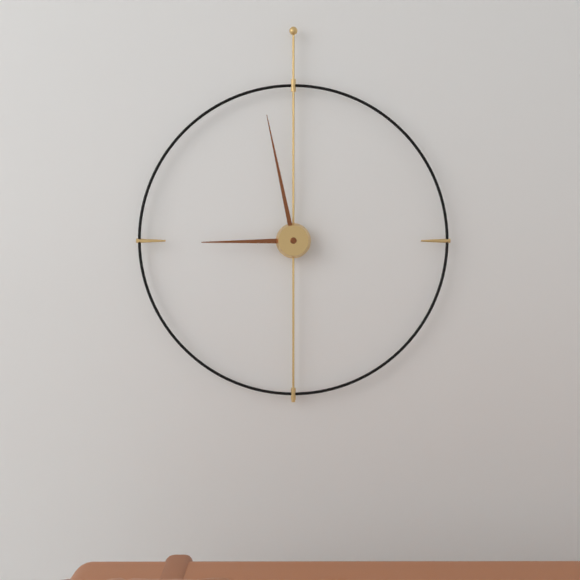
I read h=8 m=58
